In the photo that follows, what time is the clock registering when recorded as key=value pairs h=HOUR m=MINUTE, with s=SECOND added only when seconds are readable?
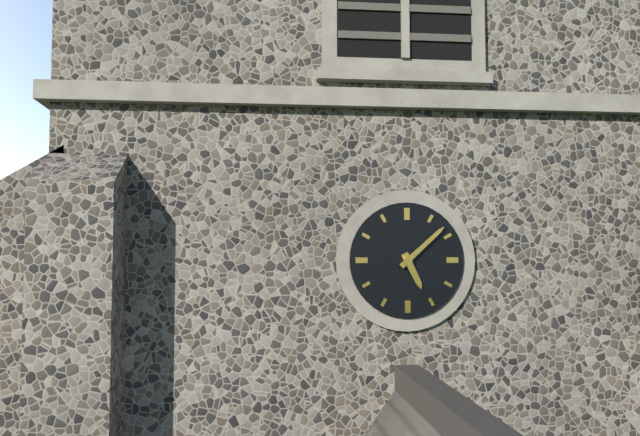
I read h=5 m=8
